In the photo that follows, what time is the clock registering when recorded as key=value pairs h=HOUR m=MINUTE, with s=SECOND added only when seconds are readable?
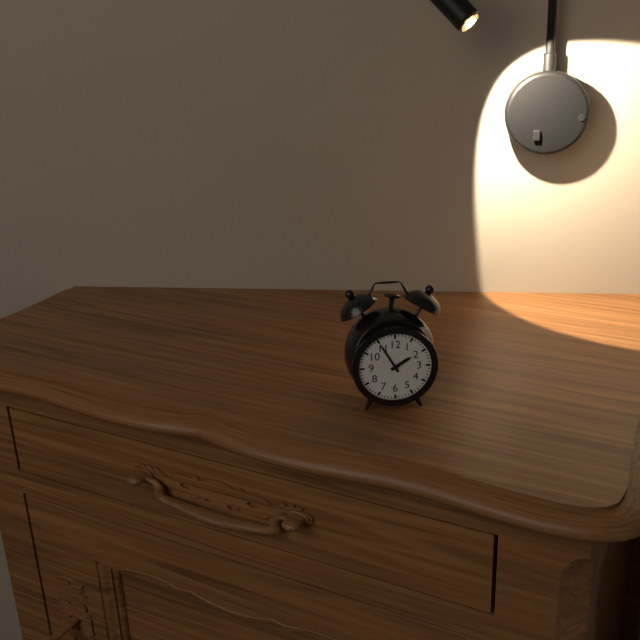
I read h=1 m=55
